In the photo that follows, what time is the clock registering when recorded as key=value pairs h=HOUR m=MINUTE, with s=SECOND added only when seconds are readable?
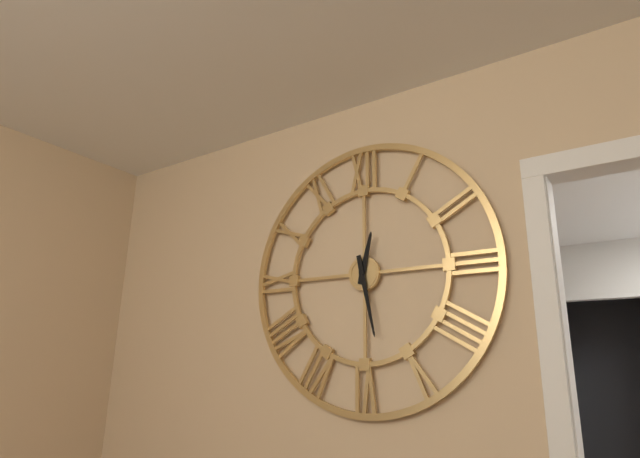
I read h=12 m=28
